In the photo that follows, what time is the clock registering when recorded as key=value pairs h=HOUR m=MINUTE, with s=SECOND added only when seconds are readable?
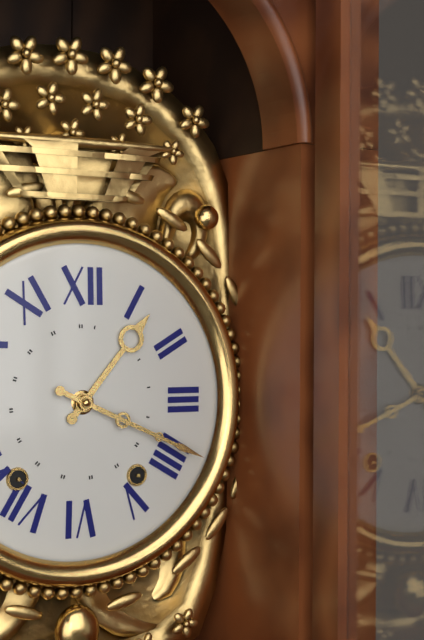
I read h=1 m=19
